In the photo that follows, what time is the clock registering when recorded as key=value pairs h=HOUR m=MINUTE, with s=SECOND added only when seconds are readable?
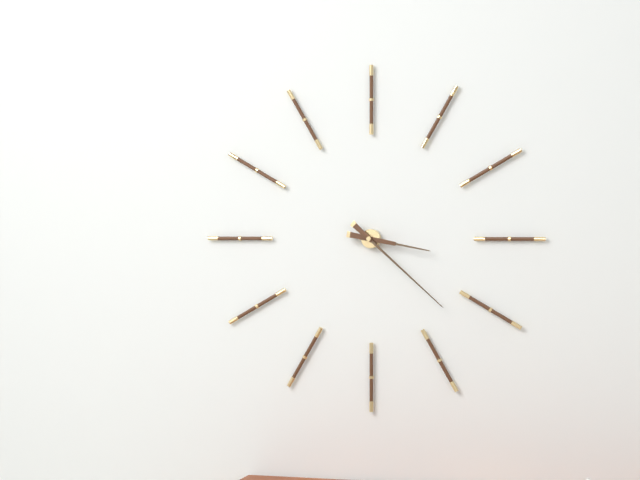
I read h=3 m=22
